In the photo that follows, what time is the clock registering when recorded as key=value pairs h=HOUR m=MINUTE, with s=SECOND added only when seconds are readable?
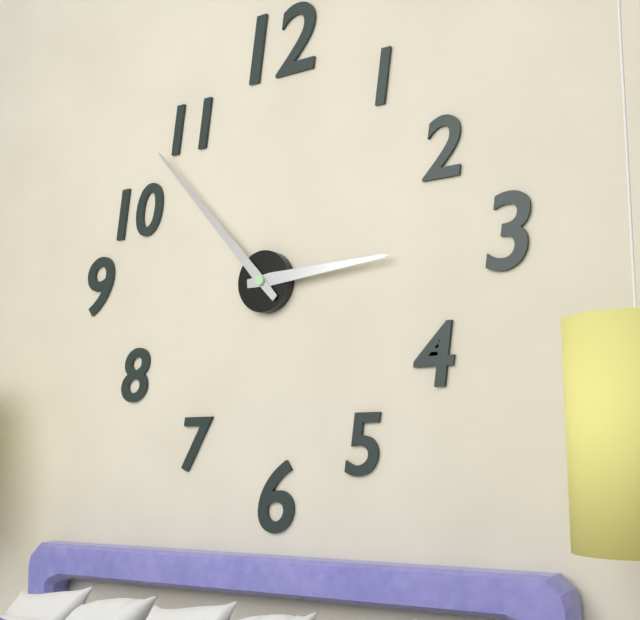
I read h=2 m=53
